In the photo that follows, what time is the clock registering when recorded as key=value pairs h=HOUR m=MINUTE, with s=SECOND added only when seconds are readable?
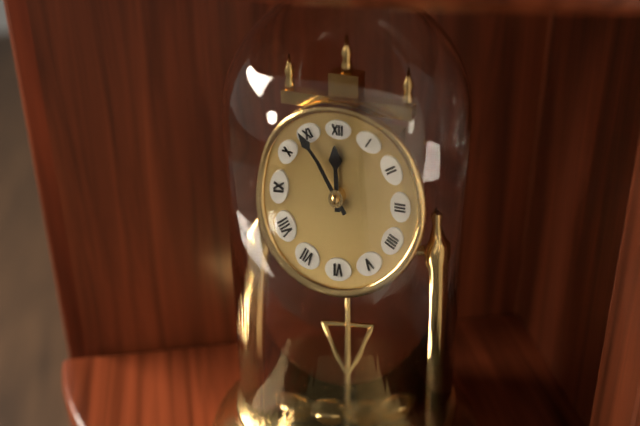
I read h=11 m=54
